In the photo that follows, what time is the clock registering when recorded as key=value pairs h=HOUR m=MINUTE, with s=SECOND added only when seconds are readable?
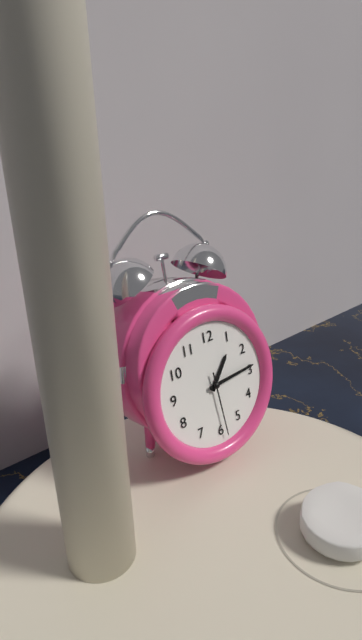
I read h=1 m=14 s=29
